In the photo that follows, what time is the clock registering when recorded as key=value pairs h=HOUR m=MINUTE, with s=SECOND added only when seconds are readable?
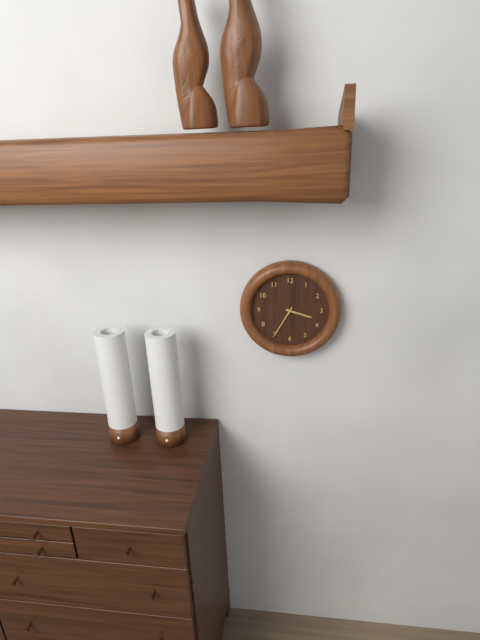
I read h=3 m=35
